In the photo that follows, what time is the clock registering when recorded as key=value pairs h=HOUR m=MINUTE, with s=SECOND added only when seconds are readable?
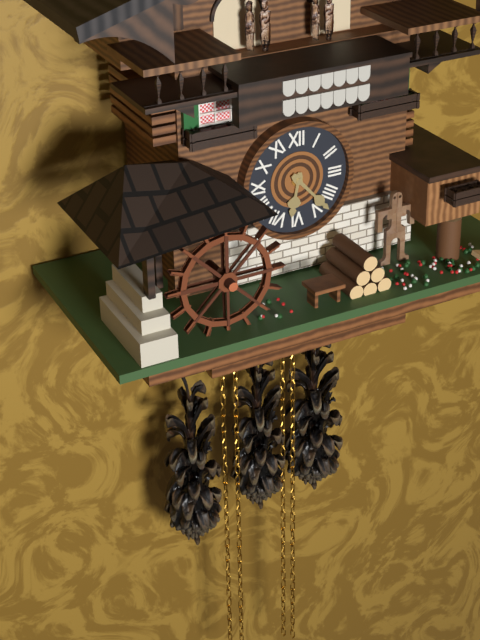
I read h=6 m=23
